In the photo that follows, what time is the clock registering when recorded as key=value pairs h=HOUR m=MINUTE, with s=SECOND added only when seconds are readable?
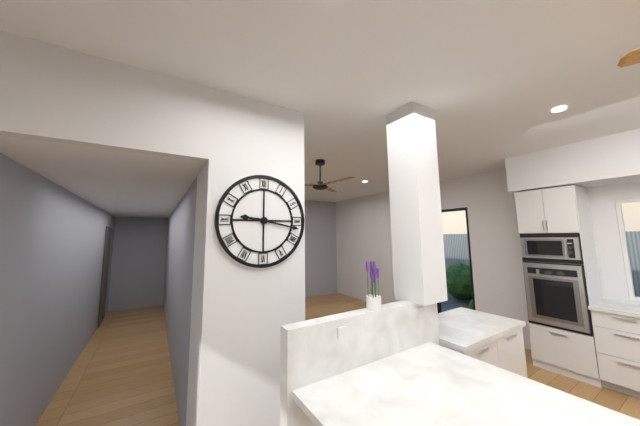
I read h=9 m=17
